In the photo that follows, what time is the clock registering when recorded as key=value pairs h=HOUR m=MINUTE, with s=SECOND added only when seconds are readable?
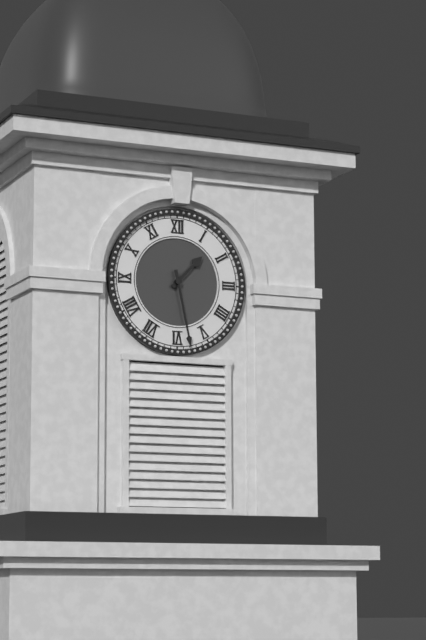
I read h=1 m=28
